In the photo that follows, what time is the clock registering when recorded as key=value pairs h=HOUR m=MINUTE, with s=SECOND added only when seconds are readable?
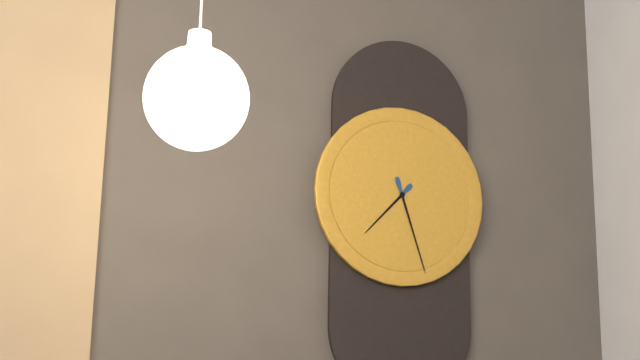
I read h=7 m=27
